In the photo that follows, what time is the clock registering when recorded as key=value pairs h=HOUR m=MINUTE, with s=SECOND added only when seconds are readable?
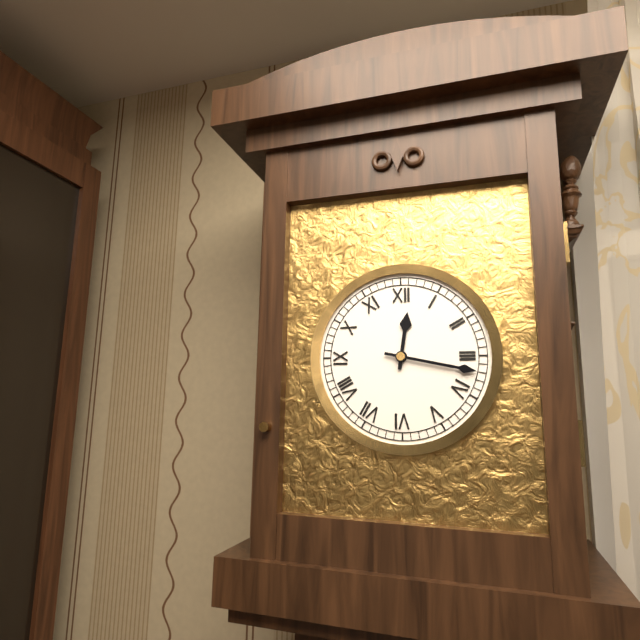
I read h=12 m=17
